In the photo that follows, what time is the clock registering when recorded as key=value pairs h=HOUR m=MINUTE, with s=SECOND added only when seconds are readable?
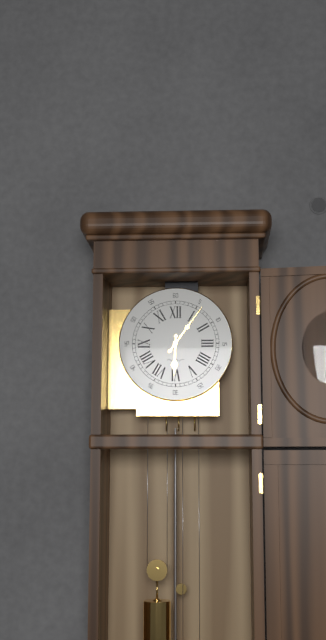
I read h=6 m=6
